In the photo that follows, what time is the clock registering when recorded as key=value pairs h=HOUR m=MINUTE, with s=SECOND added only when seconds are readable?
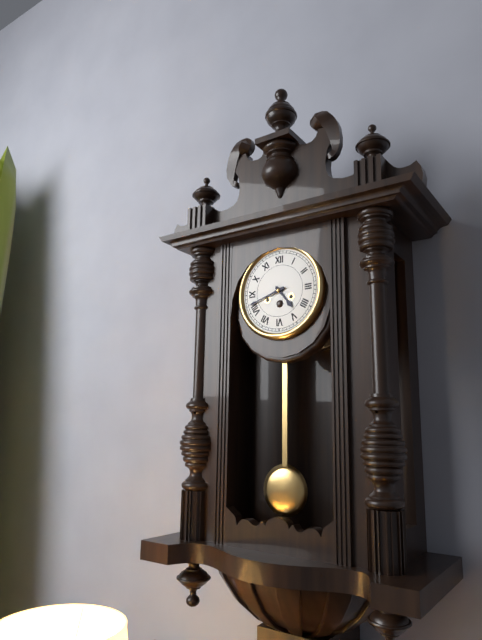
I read h=4 m=42
